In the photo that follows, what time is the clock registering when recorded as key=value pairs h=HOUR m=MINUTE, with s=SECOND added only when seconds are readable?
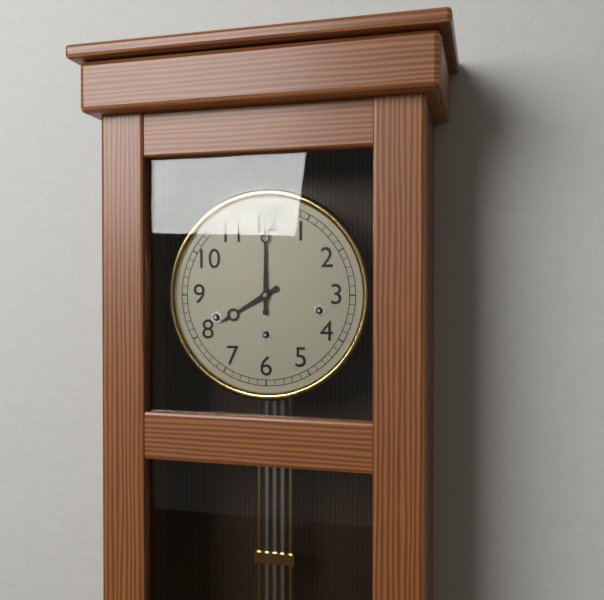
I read h=8 m=0
